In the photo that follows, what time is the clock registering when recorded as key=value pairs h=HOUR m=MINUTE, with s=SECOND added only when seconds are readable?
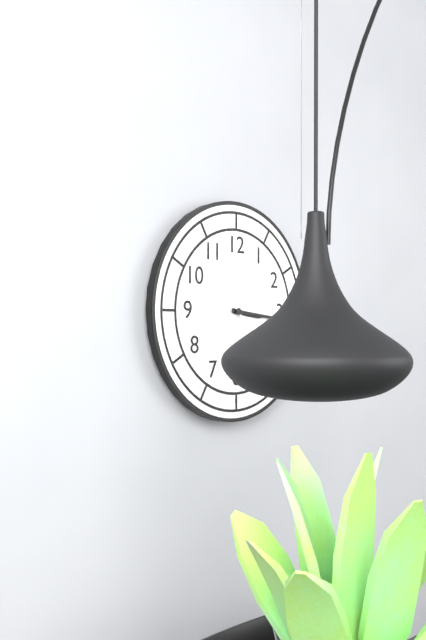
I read h=3 m=16
